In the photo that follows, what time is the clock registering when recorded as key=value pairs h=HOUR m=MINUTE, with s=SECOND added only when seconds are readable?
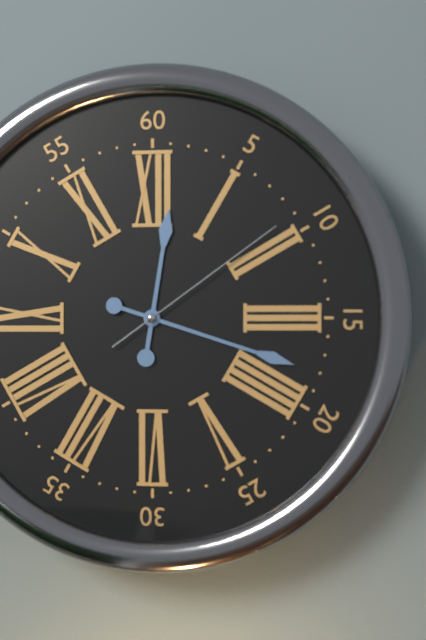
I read h=12 m=18 s=9
